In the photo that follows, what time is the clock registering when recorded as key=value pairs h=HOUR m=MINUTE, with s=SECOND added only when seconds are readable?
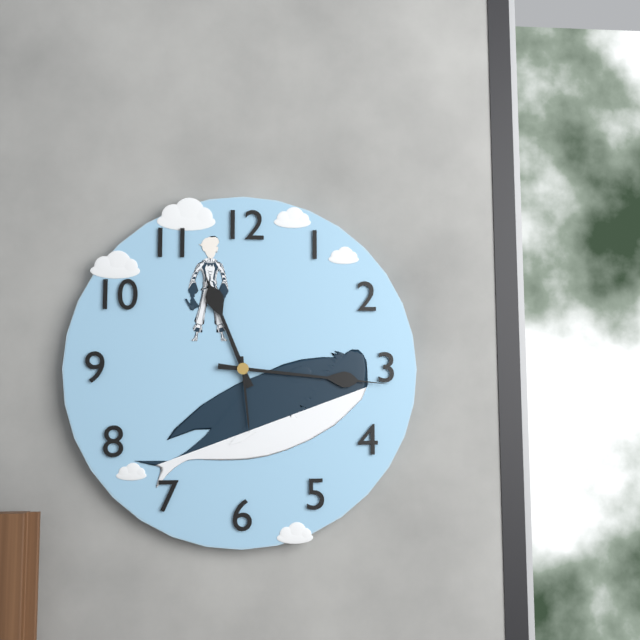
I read h=11 m=16 s=29
